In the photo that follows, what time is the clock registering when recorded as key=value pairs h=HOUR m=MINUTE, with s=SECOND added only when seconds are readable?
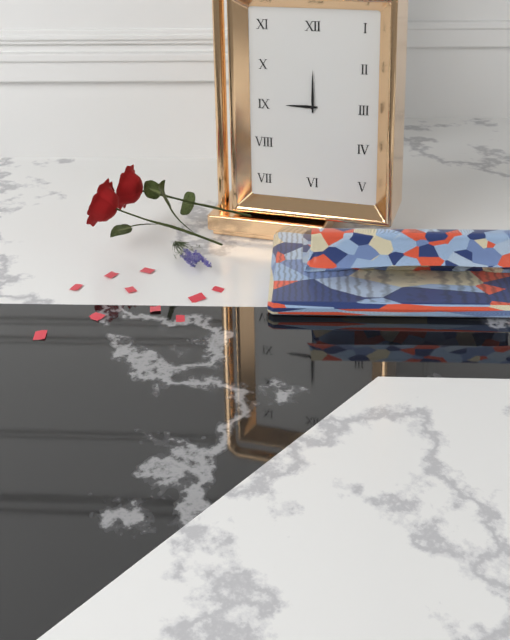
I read h=9 m=0
